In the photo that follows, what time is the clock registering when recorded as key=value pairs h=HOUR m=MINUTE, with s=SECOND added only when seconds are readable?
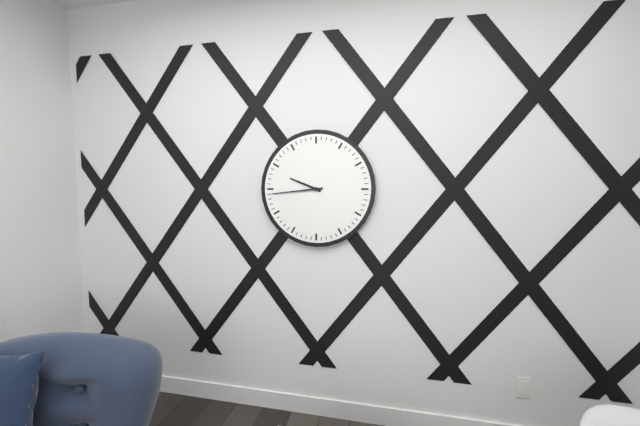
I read h=9 m=44
